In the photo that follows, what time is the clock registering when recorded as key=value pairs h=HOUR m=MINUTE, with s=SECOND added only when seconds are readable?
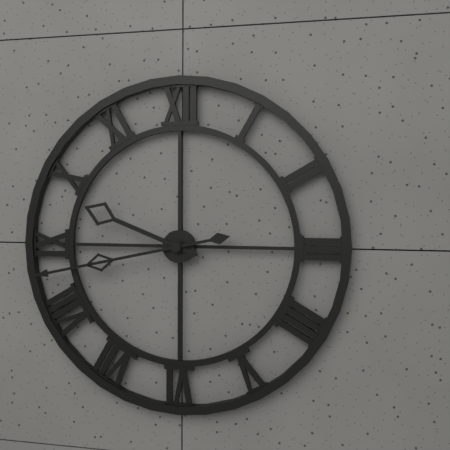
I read h=9 m=43
